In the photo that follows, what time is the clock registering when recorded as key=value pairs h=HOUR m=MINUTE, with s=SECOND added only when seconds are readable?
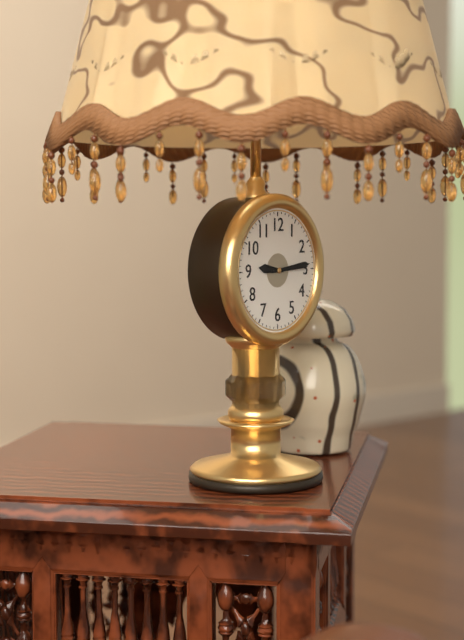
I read h=9 m=14
